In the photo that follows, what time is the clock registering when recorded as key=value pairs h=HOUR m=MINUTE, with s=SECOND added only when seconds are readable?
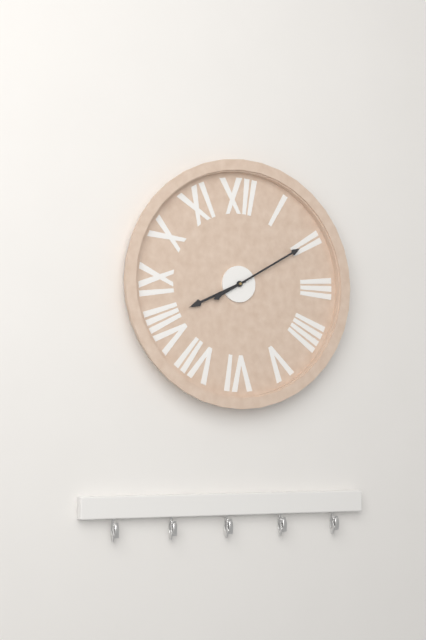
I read h=8 m=10
